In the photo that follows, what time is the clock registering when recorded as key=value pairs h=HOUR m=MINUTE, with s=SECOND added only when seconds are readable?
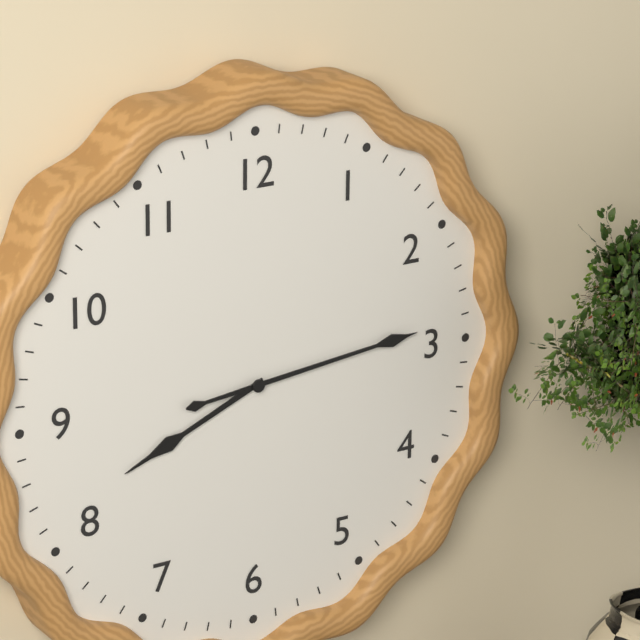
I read h=8 m=14
